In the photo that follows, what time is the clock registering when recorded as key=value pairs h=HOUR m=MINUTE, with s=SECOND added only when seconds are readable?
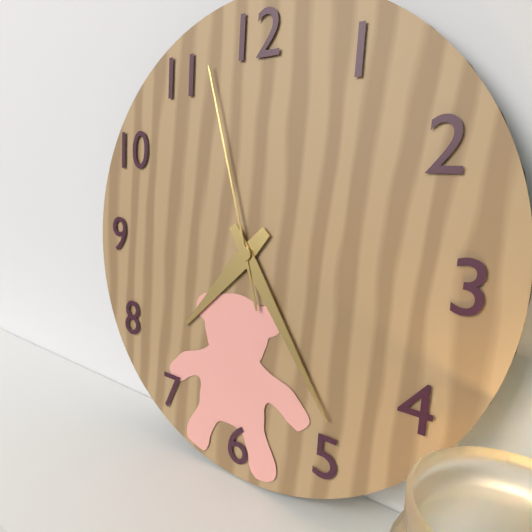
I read h=7 m=24 s=57
